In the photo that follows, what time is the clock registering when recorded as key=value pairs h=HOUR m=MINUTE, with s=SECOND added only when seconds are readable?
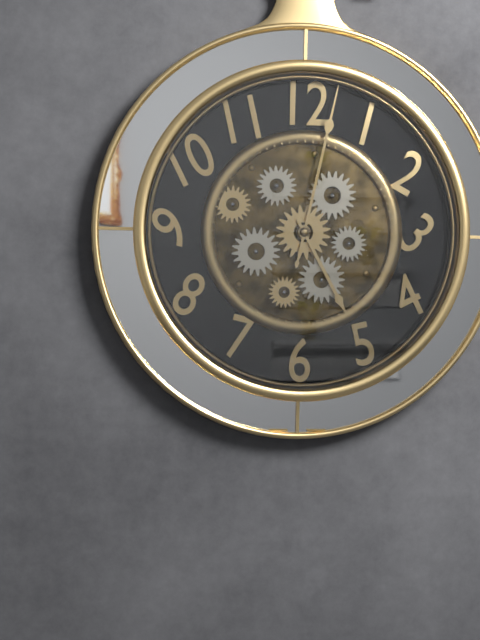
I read h=5 m=2
